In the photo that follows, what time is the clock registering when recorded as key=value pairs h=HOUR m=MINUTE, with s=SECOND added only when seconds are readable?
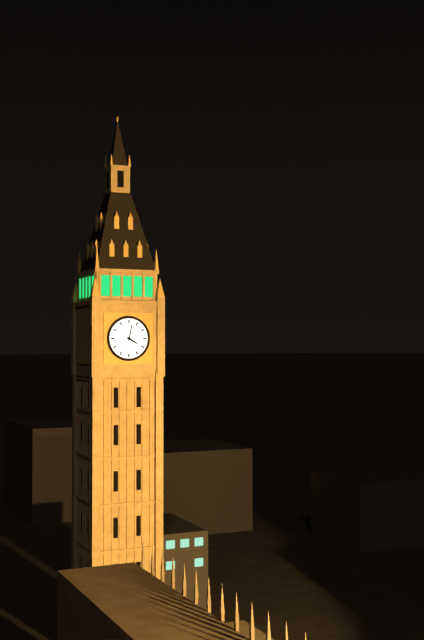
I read h=4 m=2
